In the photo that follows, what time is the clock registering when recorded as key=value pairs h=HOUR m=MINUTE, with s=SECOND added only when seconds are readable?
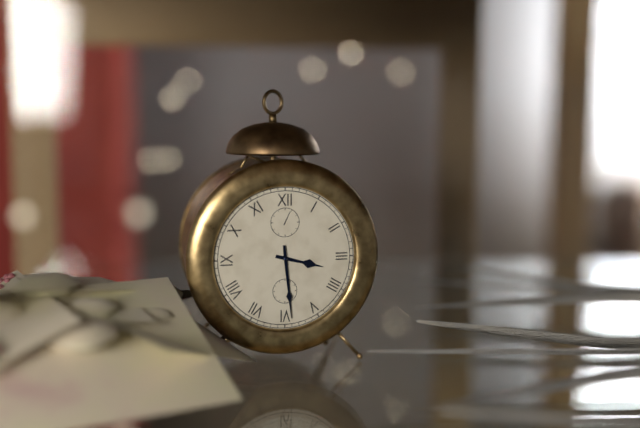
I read h=3 m=29
